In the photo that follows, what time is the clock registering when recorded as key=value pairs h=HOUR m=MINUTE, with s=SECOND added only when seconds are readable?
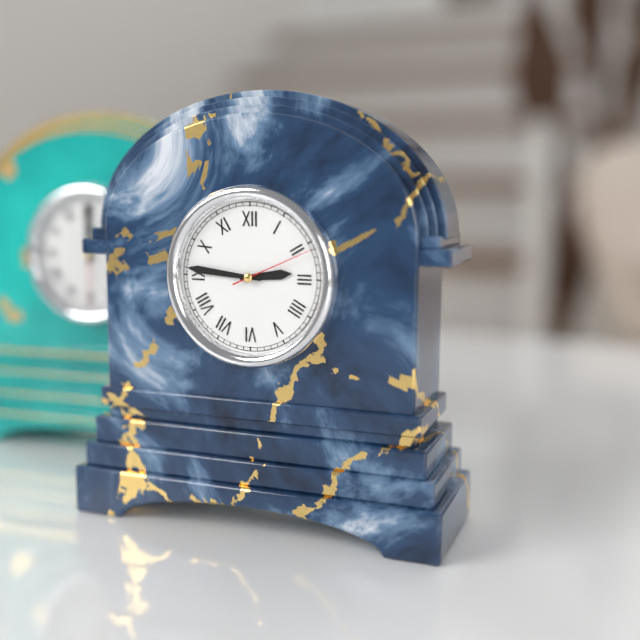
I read h=2 m=46 s=11
